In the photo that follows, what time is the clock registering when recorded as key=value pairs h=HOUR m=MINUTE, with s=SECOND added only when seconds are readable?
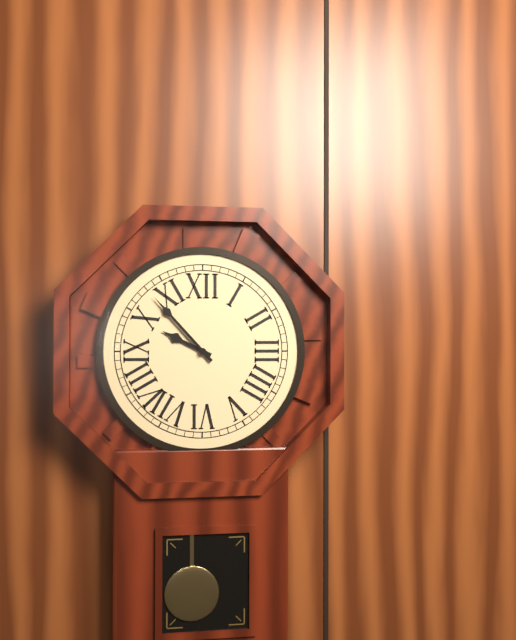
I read h=9 m=53
